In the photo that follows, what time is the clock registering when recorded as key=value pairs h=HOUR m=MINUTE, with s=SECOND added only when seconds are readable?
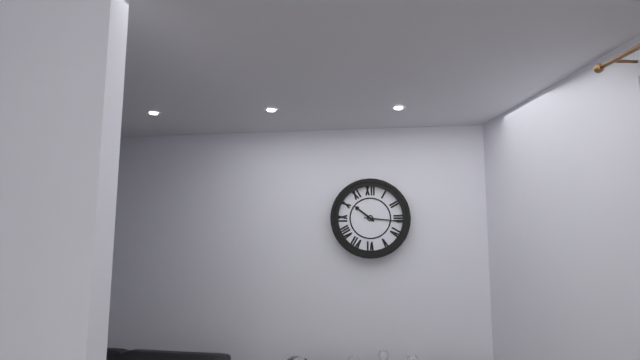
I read h=10 m=16
